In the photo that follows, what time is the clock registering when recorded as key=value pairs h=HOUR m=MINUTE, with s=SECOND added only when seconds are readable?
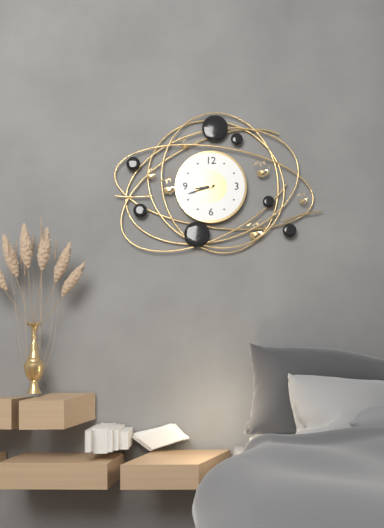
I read h=8 m=42
